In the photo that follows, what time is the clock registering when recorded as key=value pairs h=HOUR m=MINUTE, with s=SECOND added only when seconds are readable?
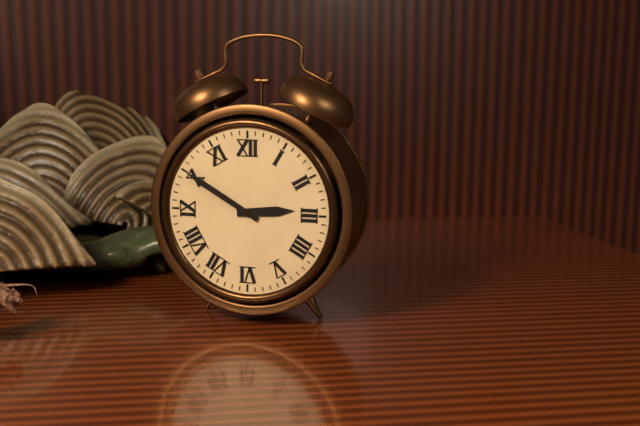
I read h=2 m=50
